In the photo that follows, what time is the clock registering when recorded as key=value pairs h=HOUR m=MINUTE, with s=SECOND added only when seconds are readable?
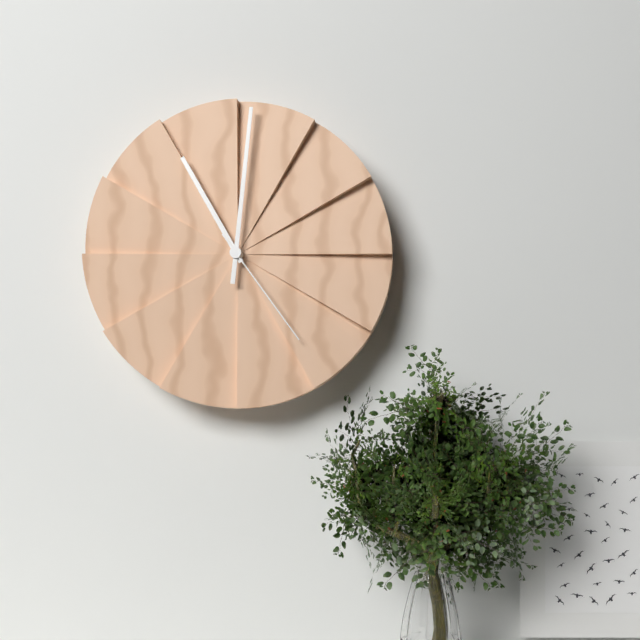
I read h=11 m=1 s=24
